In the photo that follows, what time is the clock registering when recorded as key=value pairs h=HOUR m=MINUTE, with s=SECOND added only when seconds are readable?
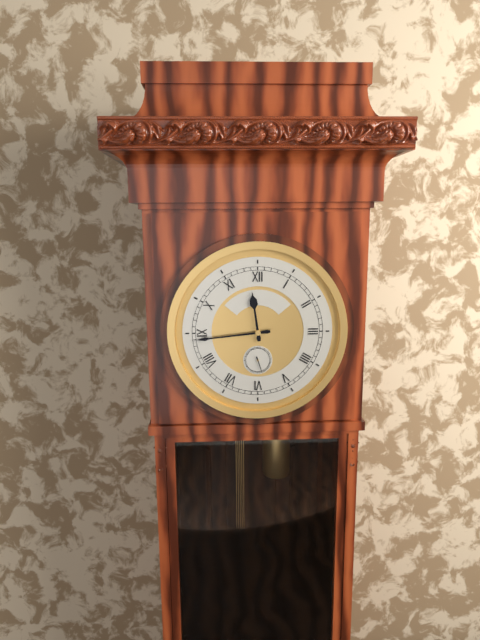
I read h=11 m=44
